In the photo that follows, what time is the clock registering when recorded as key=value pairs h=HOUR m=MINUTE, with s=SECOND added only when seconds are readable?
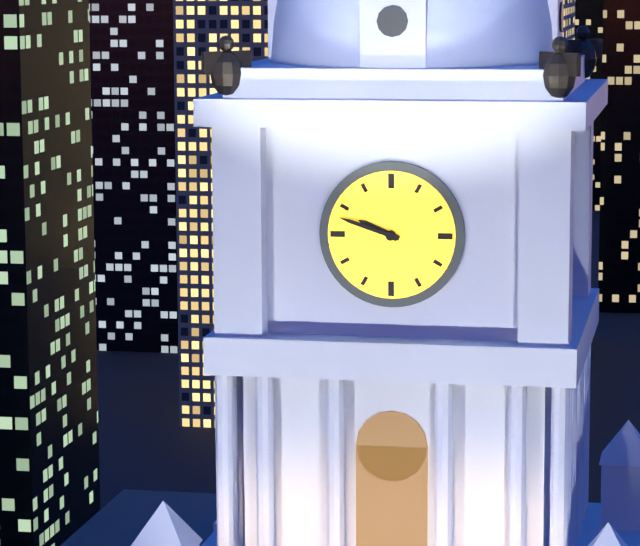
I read h=9 m=48
